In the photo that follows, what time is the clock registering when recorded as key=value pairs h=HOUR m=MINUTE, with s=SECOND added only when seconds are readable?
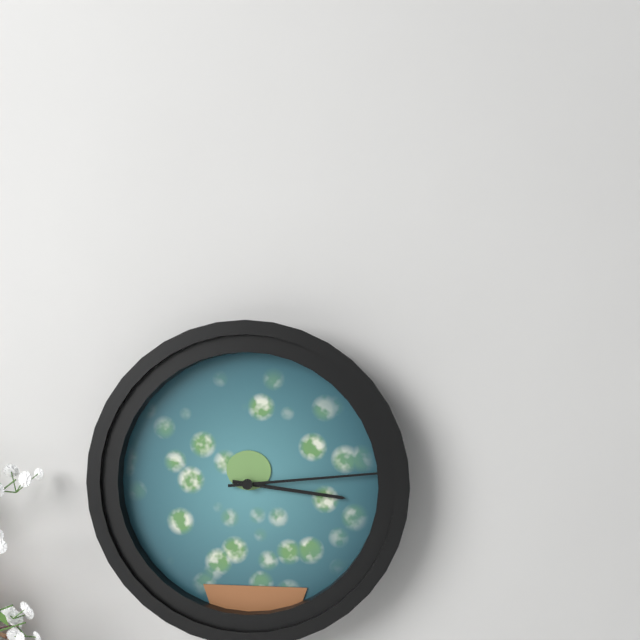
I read h=3 m=14
